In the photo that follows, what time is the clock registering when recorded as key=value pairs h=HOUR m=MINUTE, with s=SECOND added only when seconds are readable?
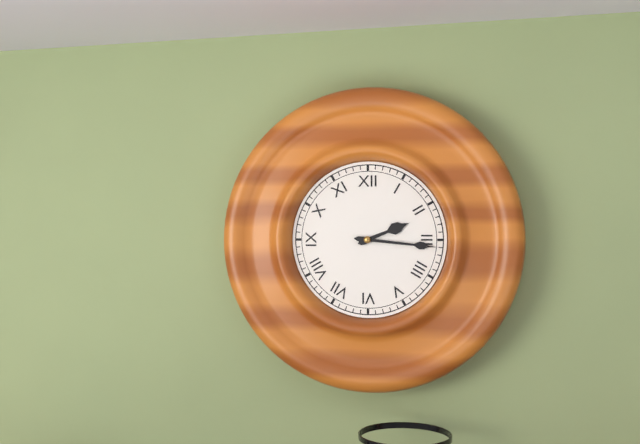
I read h=2 m=16
